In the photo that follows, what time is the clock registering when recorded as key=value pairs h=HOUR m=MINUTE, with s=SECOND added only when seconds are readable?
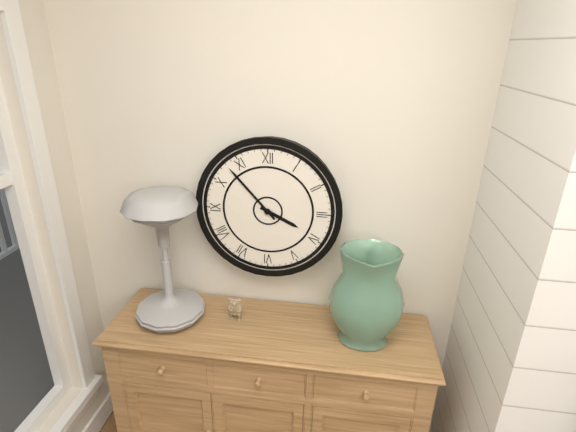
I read h=3 m=53
